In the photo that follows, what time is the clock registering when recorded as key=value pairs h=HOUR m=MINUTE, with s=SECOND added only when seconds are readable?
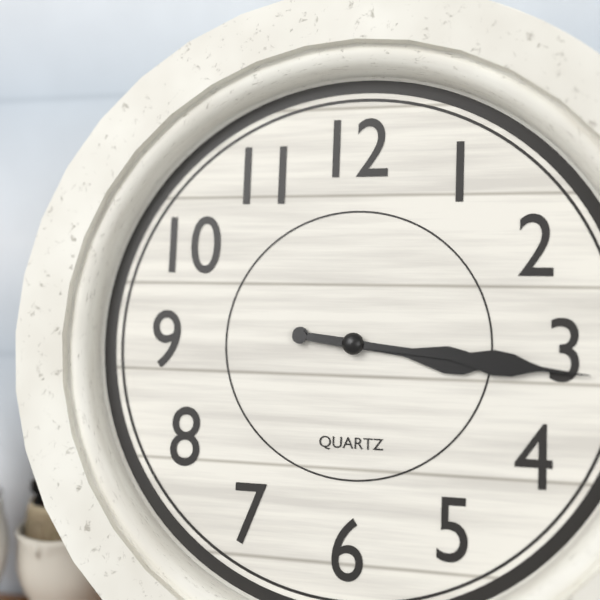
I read h=3 m=16
